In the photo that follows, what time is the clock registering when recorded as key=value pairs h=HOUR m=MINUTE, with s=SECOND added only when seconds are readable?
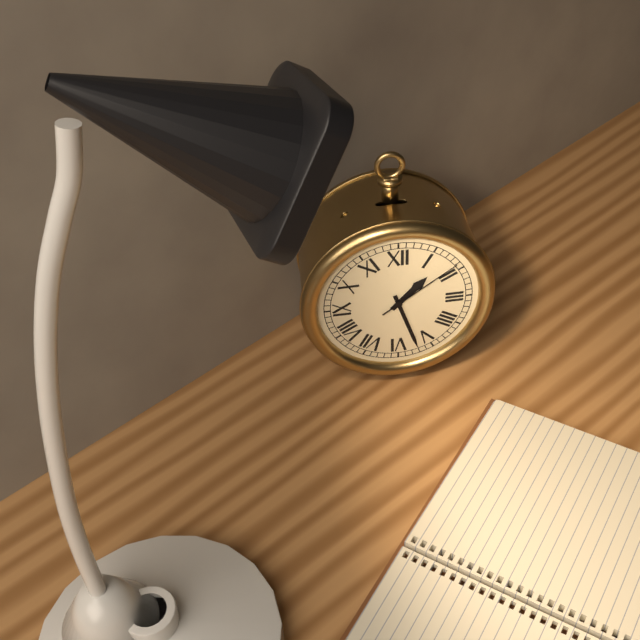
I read h=1 m=27 s=9
